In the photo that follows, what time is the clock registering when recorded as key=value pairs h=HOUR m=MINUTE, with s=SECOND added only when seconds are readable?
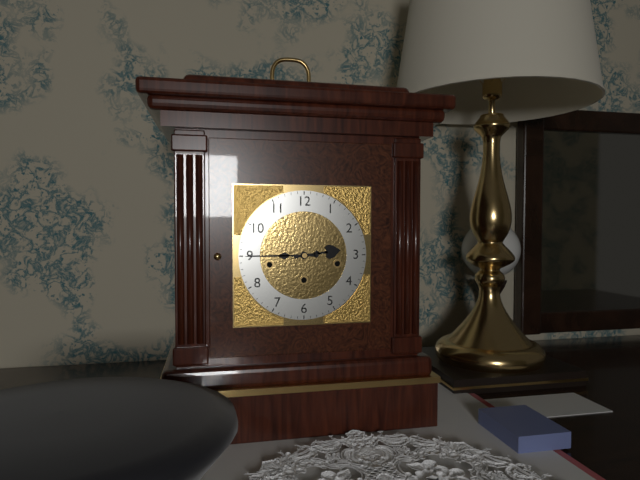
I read h=2 m=45
